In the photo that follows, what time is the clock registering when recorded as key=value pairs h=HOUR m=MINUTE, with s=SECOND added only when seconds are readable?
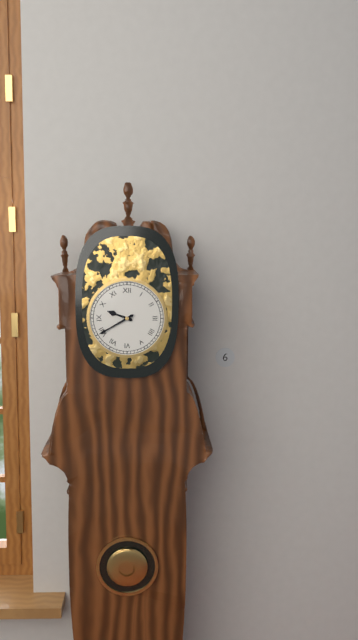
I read h=9 m=40
